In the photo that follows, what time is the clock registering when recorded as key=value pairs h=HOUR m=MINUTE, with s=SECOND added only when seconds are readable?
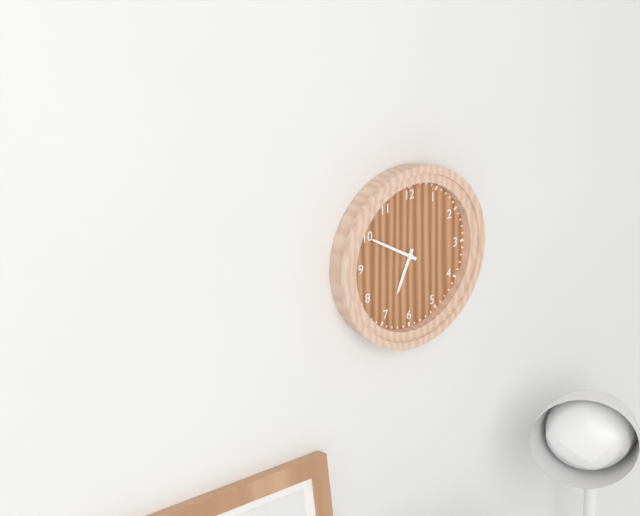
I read h=6 m=50
